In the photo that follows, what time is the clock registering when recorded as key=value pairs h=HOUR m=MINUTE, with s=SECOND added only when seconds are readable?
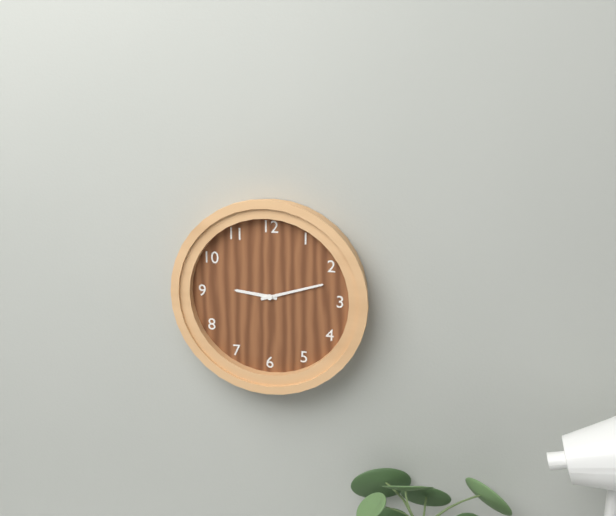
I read h=9 m=12
